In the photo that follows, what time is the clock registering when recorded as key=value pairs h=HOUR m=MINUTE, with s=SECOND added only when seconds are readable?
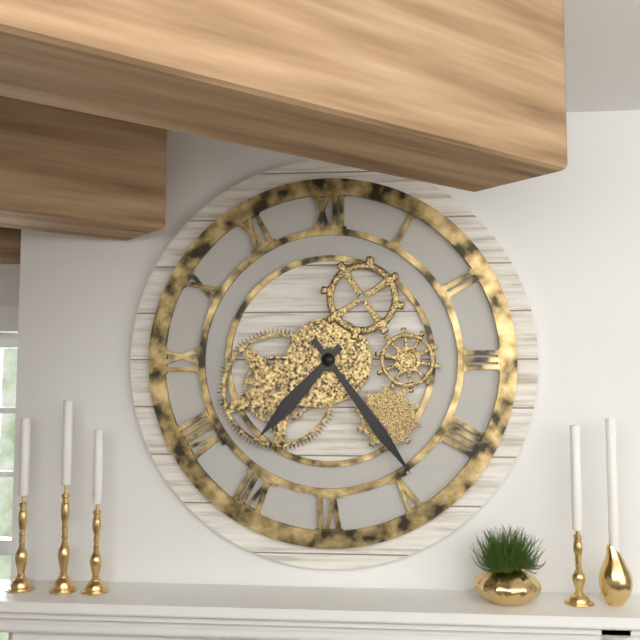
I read h=7 m=24
